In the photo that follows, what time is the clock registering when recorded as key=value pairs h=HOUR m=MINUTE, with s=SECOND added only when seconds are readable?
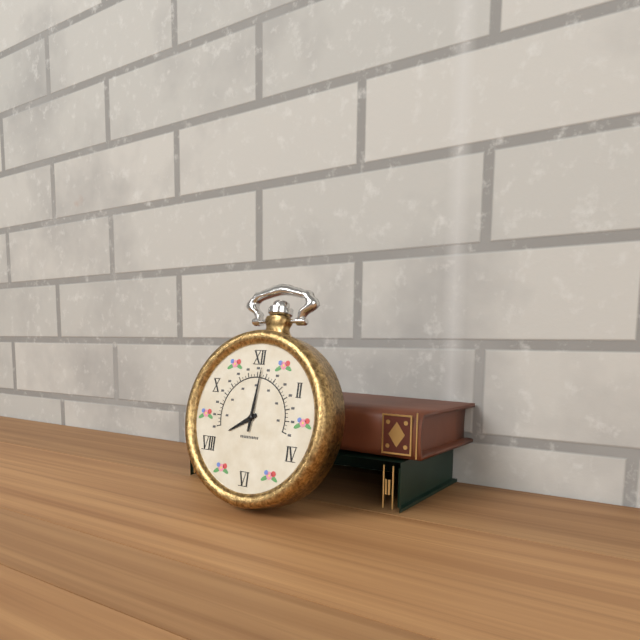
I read h=8 m=1
